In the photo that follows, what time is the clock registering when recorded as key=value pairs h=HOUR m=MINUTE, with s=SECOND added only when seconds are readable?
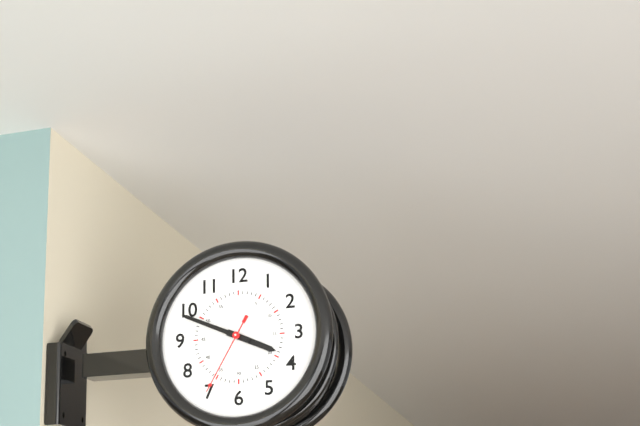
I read h=3 m=49 s=35
